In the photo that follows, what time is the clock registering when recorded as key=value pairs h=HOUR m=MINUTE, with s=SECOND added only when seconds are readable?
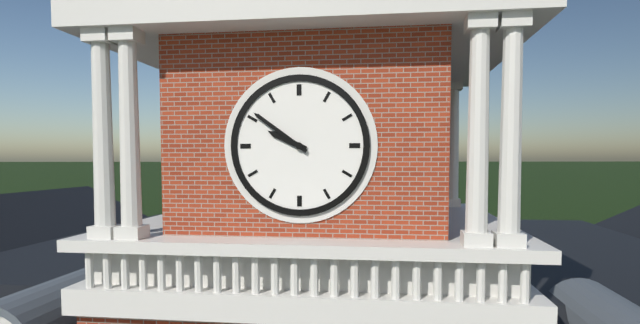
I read h=9 m=51
